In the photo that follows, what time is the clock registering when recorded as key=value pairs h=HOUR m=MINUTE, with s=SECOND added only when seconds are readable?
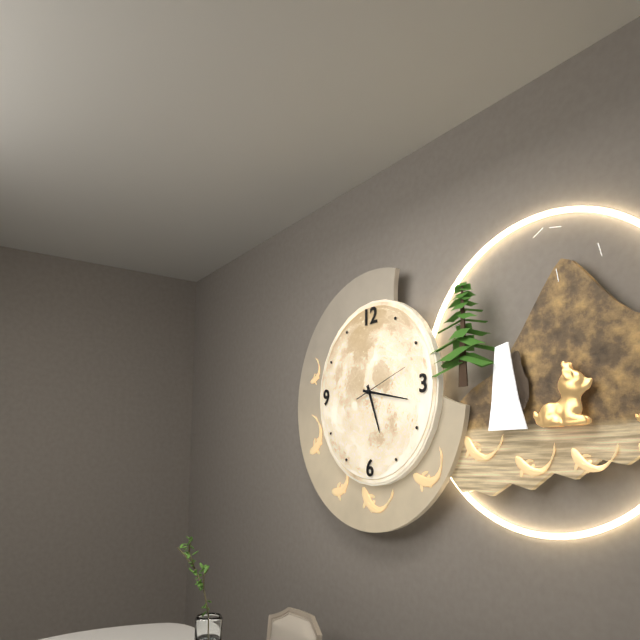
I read h=5 m=17 s=12
